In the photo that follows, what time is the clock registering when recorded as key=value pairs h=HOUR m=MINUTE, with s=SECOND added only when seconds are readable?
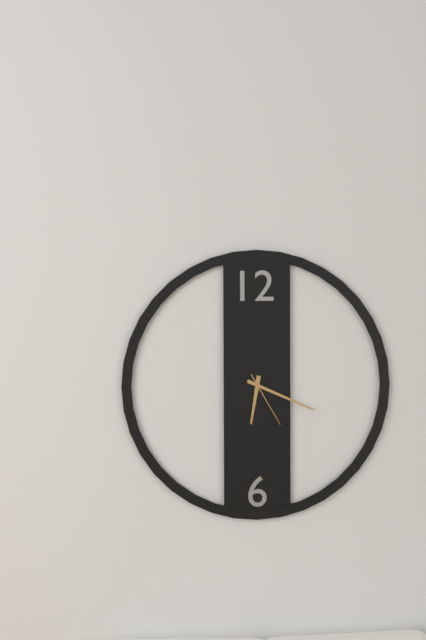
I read h=6 m=19 s=25
